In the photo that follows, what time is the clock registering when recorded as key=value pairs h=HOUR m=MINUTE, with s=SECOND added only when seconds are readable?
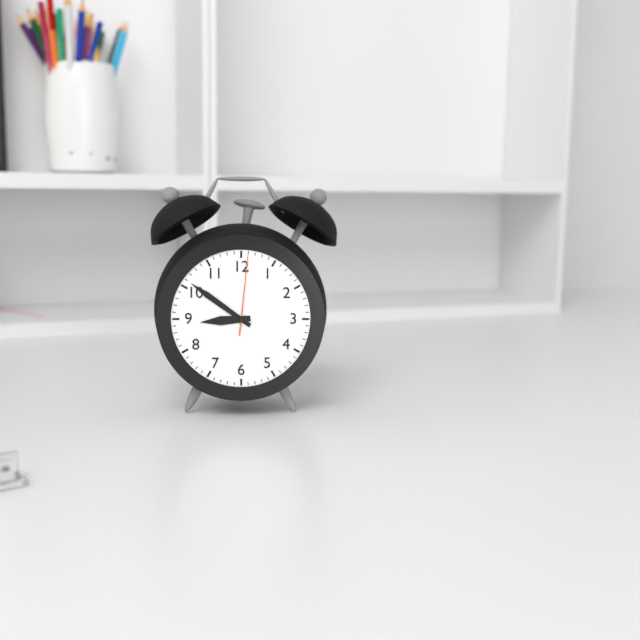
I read h=8 m=51 s=1
